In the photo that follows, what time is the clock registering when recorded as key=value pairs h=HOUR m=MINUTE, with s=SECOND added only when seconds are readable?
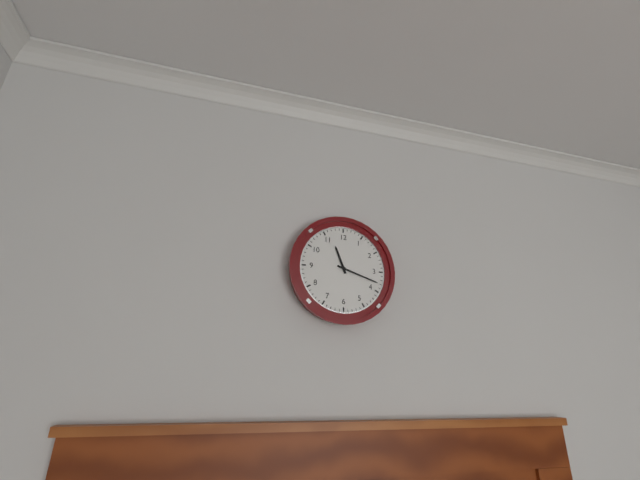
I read h=11 m=18
